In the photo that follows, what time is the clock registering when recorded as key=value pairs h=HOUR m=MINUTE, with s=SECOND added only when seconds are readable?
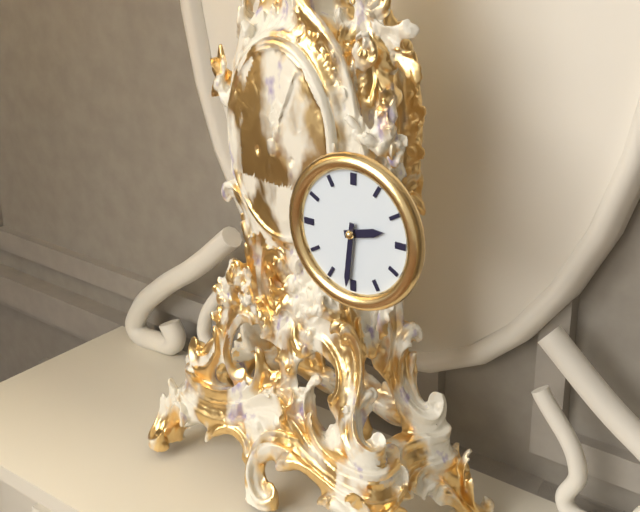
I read h=2 m=31
